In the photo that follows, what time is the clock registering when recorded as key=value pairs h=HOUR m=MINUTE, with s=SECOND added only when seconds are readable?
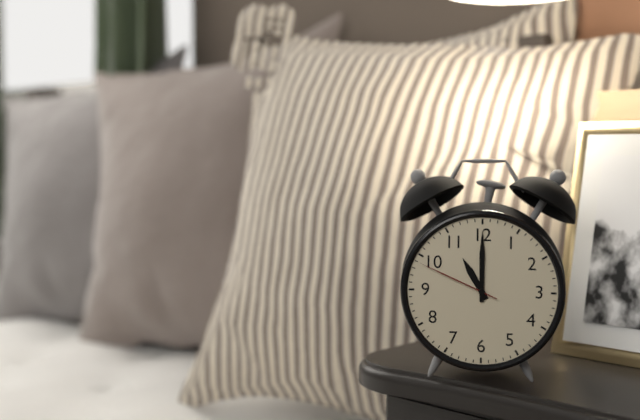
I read h=11 m=0 s=49
